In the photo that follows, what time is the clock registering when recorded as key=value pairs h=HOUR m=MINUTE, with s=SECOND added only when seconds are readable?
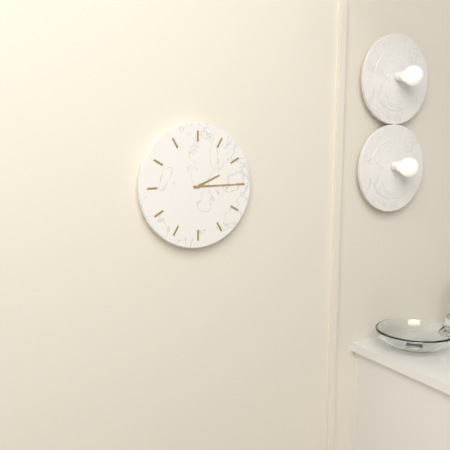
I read h=2 m=15
